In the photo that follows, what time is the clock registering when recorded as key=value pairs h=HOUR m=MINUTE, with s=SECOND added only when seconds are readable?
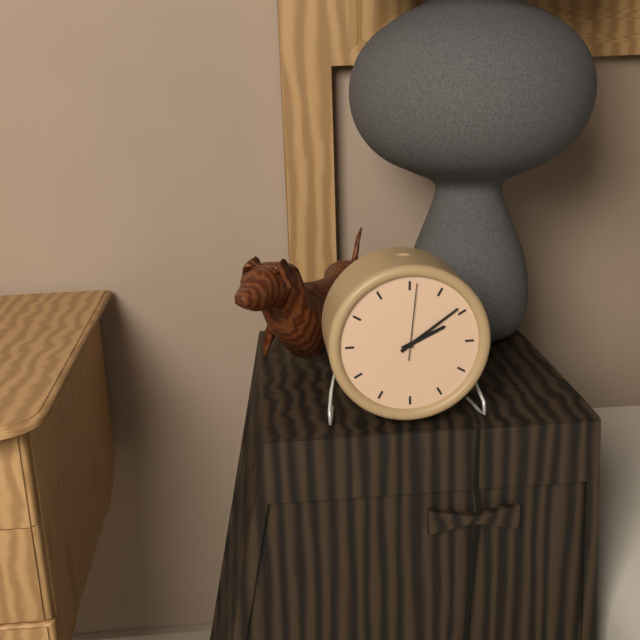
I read h=2 m=9 s=1
